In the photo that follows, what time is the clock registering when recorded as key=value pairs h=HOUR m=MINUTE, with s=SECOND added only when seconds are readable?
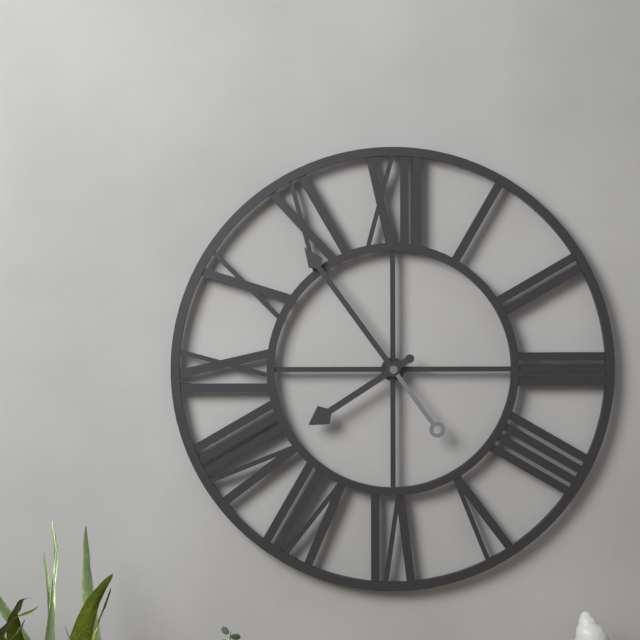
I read h=7 m=54
